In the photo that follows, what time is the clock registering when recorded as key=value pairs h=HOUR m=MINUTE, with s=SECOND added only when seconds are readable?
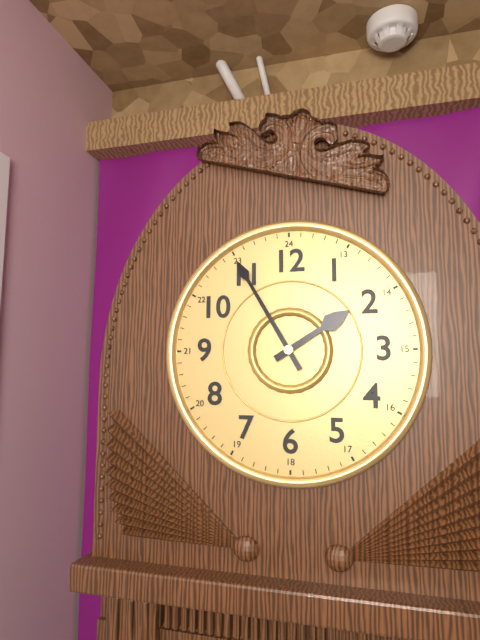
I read h=1 m=55
